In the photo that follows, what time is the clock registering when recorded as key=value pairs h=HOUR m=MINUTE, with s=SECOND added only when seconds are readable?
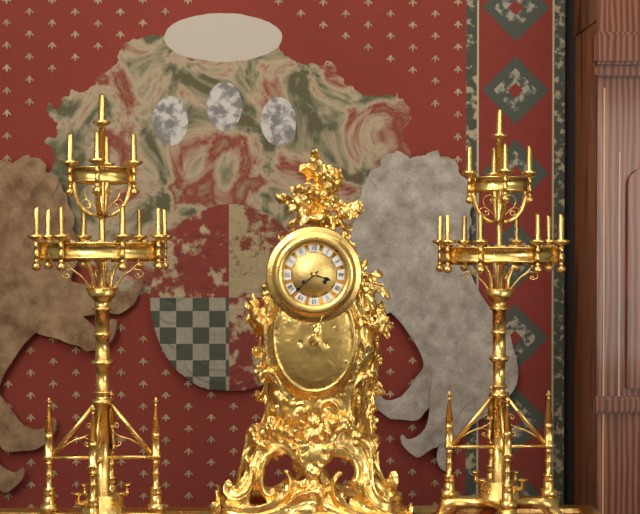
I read h=3 m=38
